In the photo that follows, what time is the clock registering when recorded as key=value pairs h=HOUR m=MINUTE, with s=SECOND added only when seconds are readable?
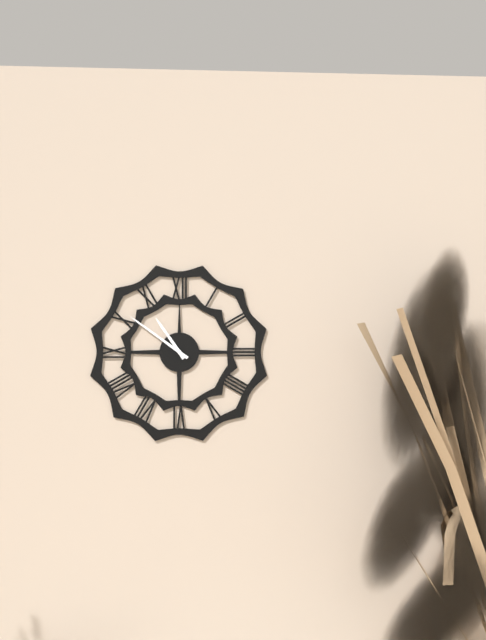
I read h=10 m=51
